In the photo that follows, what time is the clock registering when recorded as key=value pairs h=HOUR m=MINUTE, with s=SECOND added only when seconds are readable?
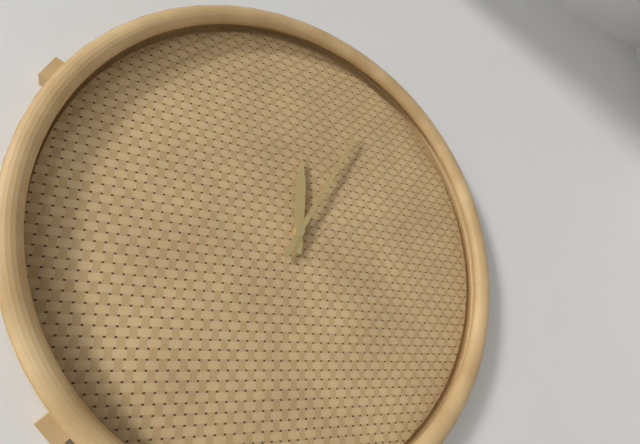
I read h=12 m=5
